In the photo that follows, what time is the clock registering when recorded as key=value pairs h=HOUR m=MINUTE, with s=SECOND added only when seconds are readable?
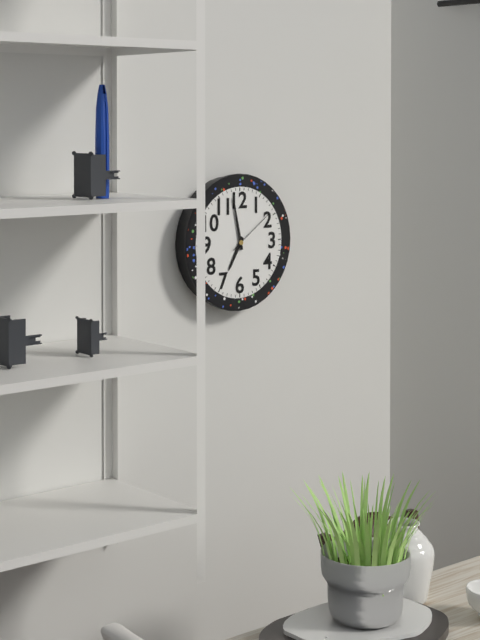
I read h=6 m=58
